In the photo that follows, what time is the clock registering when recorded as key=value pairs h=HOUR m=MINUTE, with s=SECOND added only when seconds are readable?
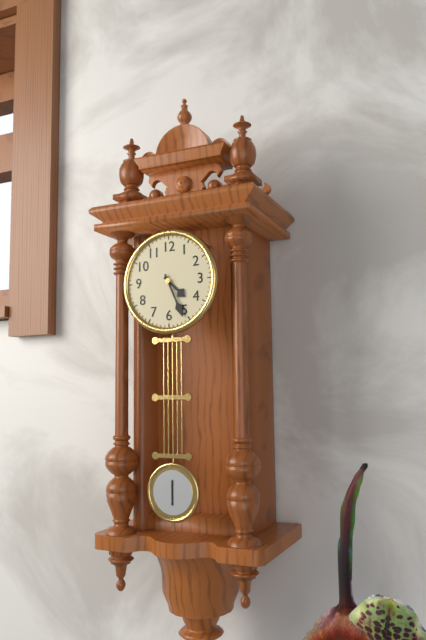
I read h=4 m=26
